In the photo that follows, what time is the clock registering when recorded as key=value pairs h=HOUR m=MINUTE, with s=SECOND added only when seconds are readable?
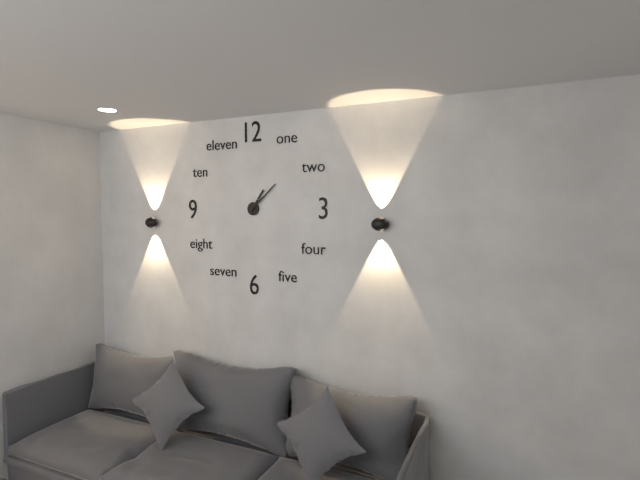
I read h=1 m=8
